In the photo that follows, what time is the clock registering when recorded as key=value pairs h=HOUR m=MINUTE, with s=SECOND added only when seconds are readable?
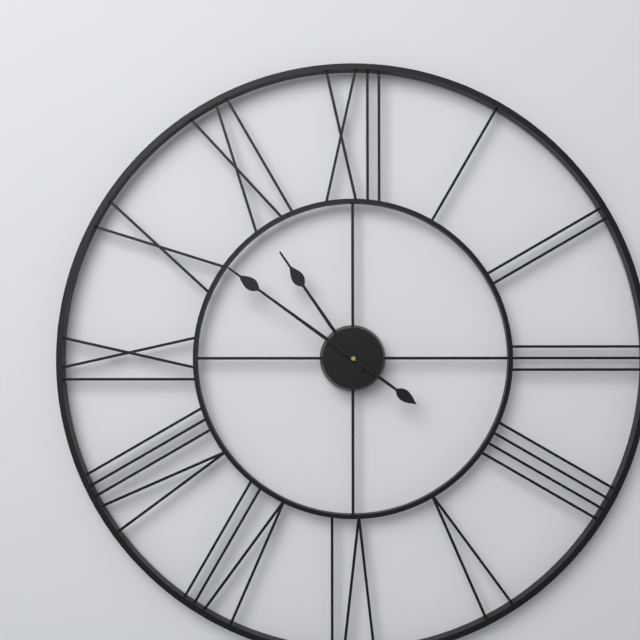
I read h=10 m=51
